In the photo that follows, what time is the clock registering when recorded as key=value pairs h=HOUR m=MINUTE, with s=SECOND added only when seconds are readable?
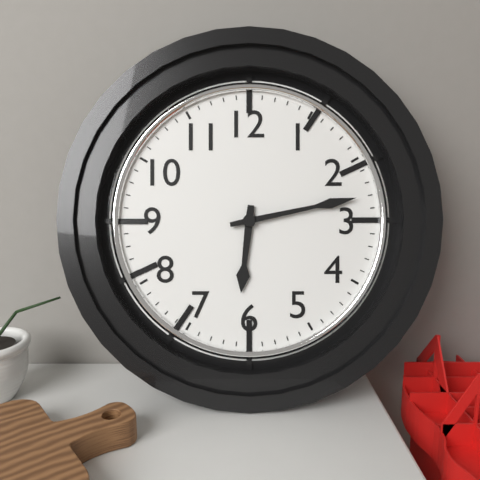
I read h=6 m=13
